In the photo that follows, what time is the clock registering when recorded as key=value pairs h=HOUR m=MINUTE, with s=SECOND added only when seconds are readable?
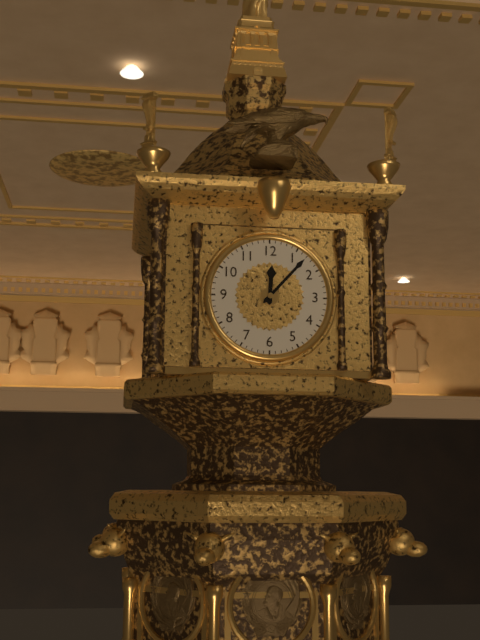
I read h=12 m=7
